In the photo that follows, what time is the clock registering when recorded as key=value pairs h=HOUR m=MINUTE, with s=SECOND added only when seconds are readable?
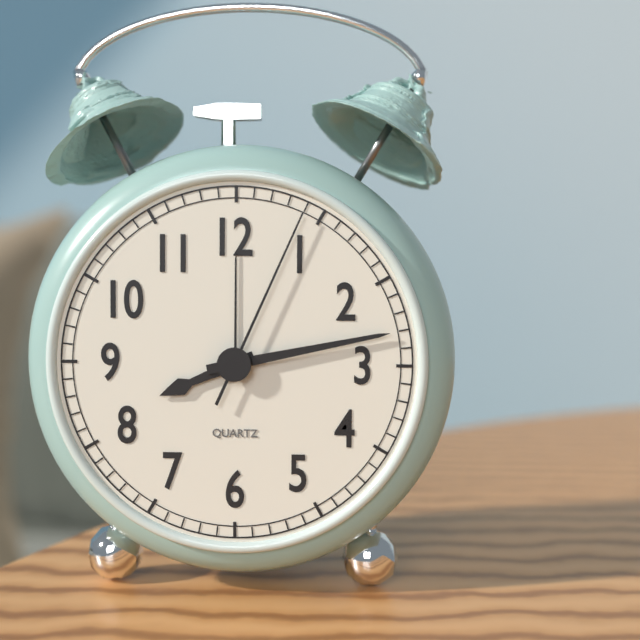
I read h=8 m=13 s=4
